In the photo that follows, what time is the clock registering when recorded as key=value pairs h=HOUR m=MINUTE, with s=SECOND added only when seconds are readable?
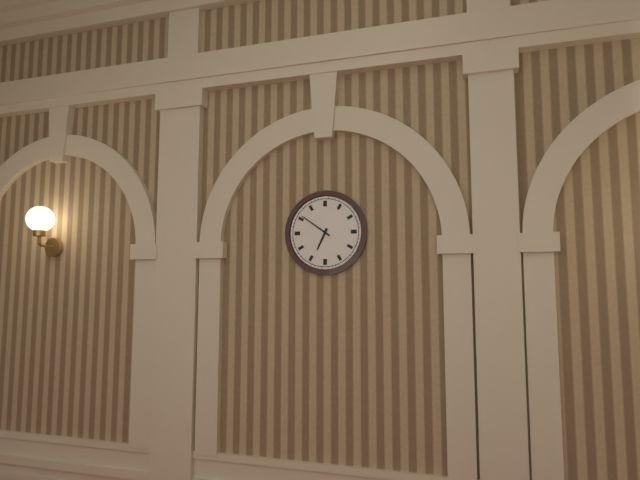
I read h=6 m=51
